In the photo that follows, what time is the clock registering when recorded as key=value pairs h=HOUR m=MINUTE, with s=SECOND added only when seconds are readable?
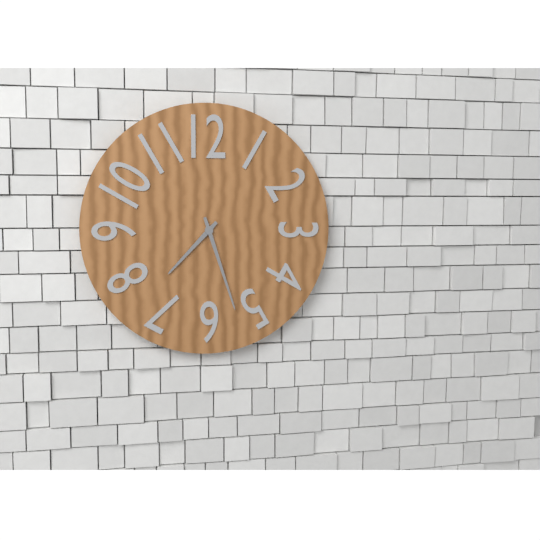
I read h=7 m=27
